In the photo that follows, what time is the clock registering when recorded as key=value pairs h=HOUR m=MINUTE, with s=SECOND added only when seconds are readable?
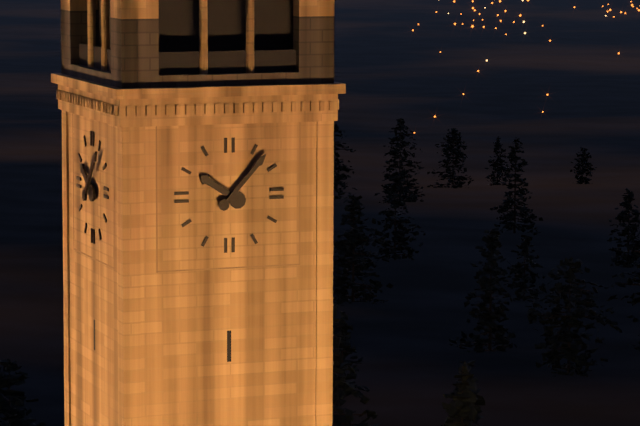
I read h=10 m=7
